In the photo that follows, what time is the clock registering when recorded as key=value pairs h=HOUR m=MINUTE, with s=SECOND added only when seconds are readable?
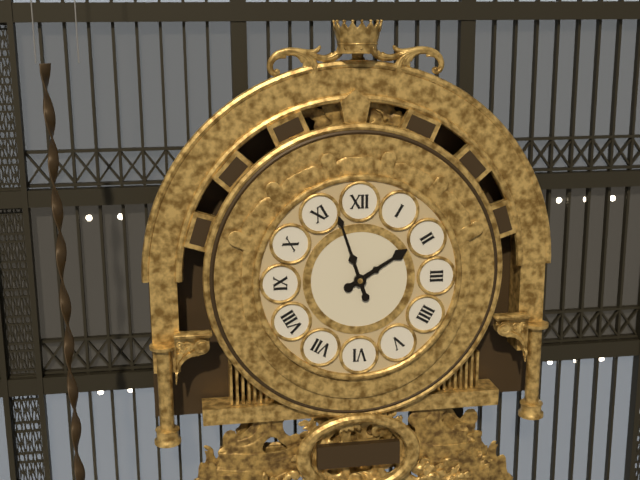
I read h=1 m=57
